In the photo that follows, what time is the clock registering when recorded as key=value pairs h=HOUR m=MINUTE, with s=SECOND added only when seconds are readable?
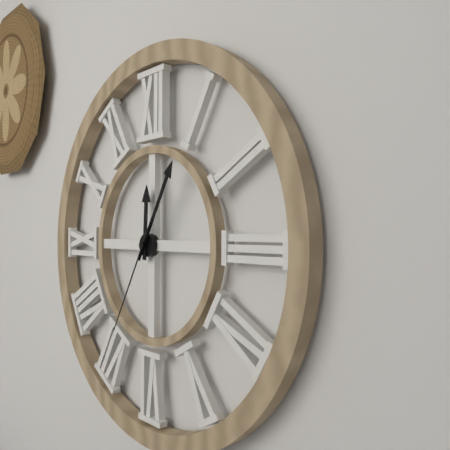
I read h=12 m=5 s=35
